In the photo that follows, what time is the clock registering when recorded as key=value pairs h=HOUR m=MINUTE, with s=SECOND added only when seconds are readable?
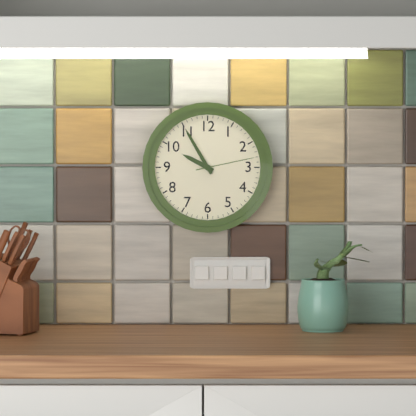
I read h=9 m=55 s=13
